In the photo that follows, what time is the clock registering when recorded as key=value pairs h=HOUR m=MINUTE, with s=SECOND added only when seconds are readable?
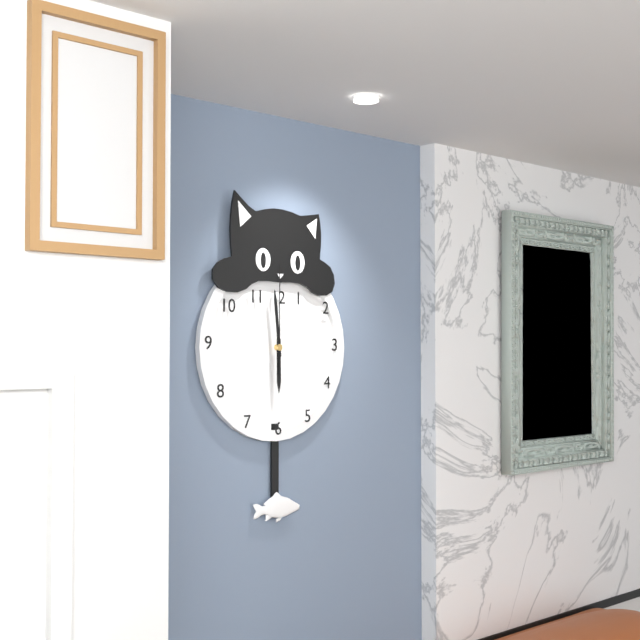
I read h=5 m=59 s=0
